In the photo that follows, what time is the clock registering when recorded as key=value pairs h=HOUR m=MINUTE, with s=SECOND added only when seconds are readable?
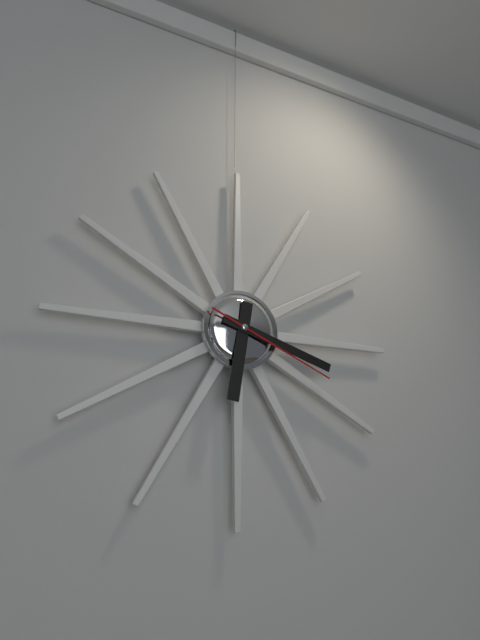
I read h=6 m=18 s=19
